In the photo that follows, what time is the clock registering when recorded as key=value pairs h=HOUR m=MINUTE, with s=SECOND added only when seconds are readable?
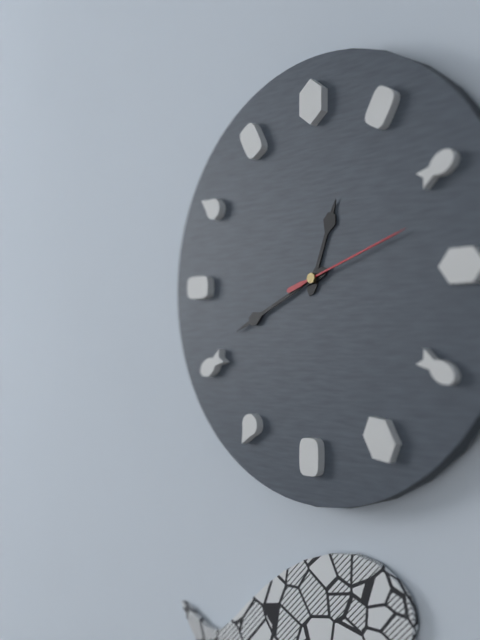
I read h=12 m=41 s=12
